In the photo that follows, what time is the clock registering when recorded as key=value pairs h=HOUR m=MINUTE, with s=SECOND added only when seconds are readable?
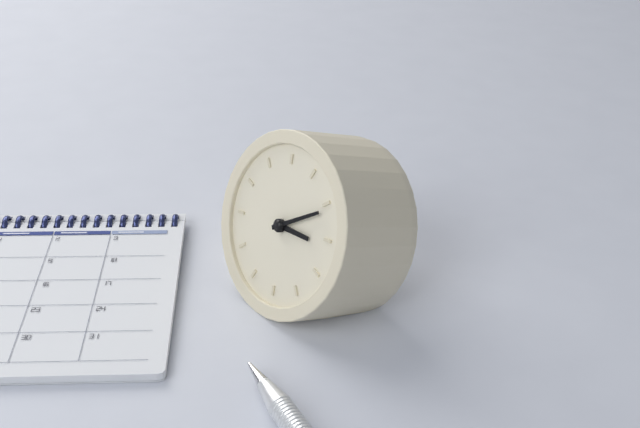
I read h=3 m=11
